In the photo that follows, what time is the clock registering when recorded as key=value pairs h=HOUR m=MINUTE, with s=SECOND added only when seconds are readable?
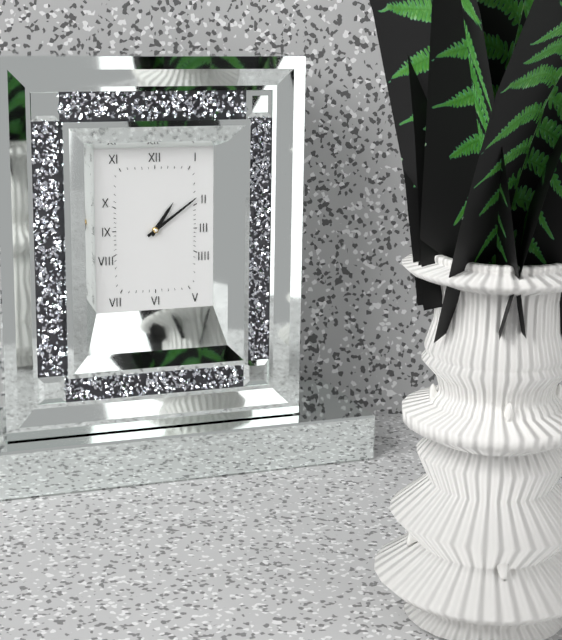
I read h=1 m=9
